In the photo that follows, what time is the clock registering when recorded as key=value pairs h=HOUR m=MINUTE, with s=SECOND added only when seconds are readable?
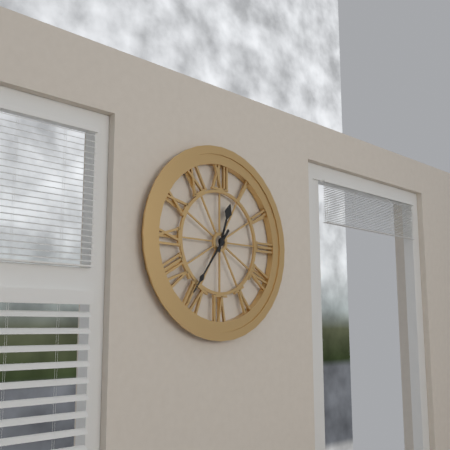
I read h=12 m=36
